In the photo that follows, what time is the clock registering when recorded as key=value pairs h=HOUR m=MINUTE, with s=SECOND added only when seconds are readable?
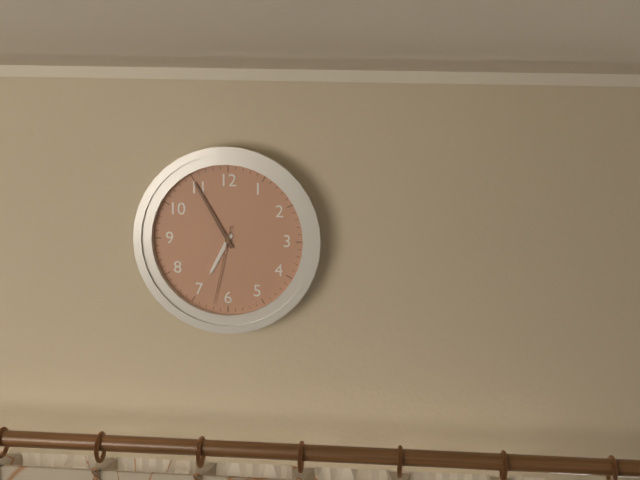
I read h=6 m=55 s=32
